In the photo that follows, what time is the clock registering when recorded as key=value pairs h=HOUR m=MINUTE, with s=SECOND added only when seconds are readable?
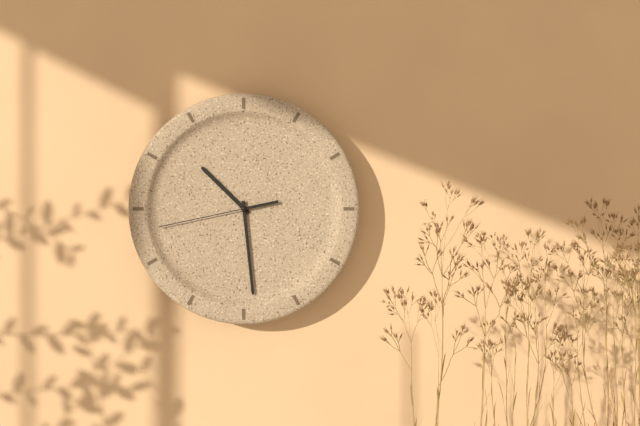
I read h=10 m=29 s=43
